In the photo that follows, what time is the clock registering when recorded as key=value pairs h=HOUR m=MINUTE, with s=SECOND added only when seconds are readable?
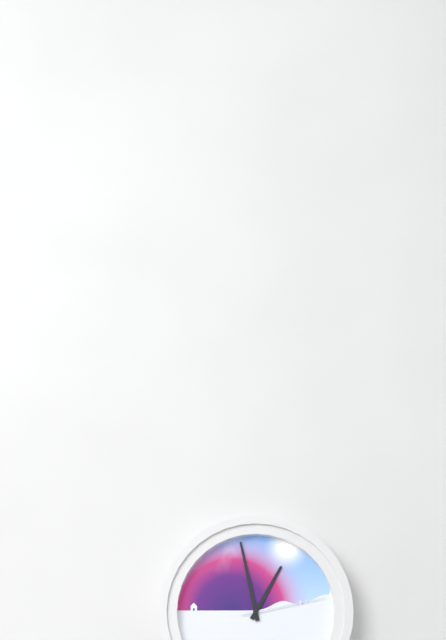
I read h=12 m=58 s=13
